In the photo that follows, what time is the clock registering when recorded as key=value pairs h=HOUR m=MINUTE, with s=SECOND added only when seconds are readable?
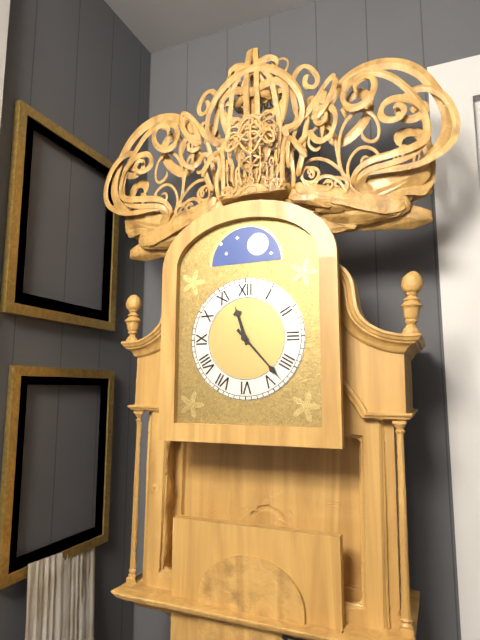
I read h=11 m=23
